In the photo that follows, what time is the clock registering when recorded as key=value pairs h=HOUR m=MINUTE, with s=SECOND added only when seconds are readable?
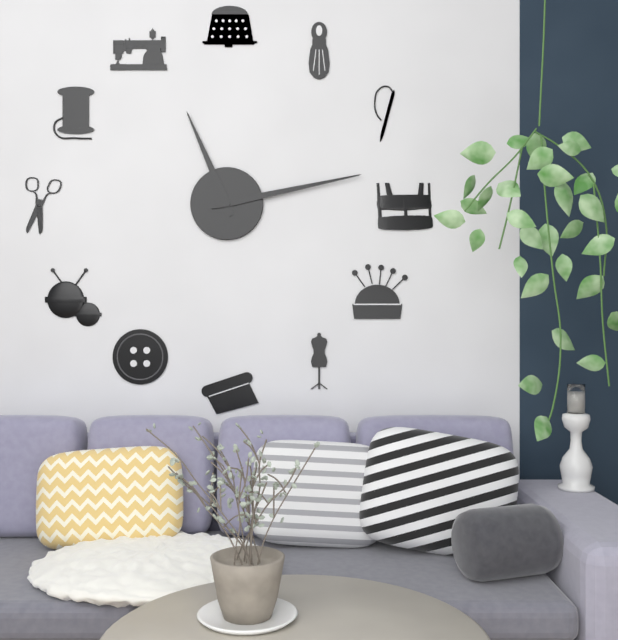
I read h=11 m=13
